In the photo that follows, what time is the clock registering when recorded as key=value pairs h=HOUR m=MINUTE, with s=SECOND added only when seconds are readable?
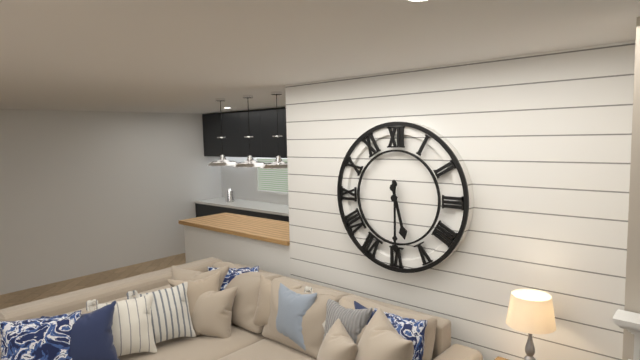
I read h=5 m=30 s=30
